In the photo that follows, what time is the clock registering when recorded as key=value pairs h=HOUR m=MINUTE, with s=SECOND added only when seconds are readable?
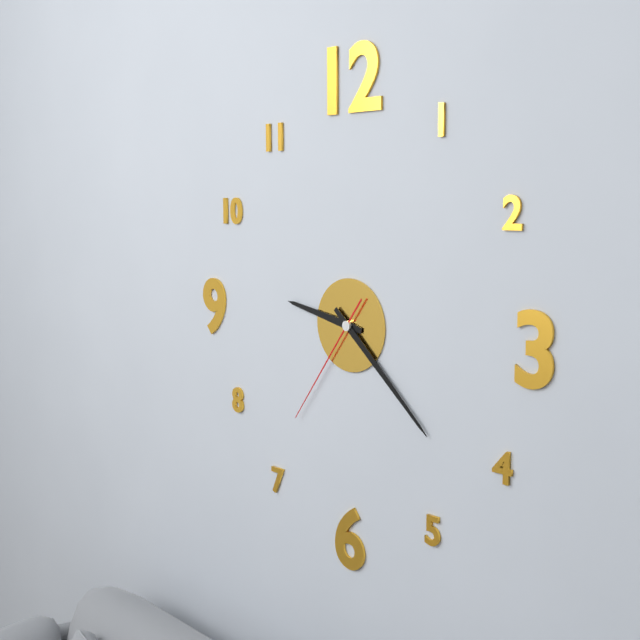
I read h=9 m=22 s=36
